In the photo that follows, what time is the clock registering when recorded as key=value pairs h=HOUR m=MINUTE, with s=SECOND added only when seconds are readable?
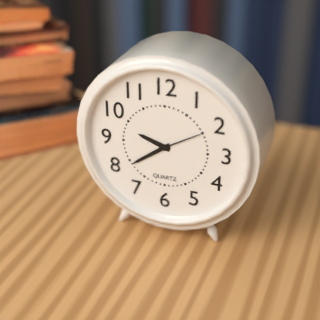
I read h=9 m=39 s=10
